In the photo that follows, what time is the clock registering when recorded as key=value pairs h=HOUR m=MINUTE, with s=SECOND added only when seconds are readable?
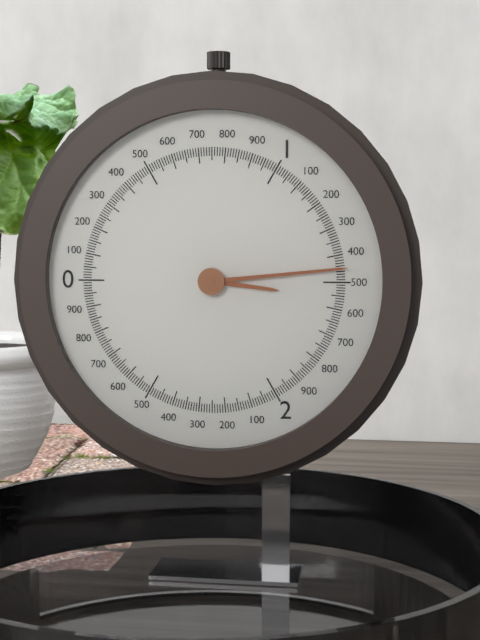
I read h=3 m=14
